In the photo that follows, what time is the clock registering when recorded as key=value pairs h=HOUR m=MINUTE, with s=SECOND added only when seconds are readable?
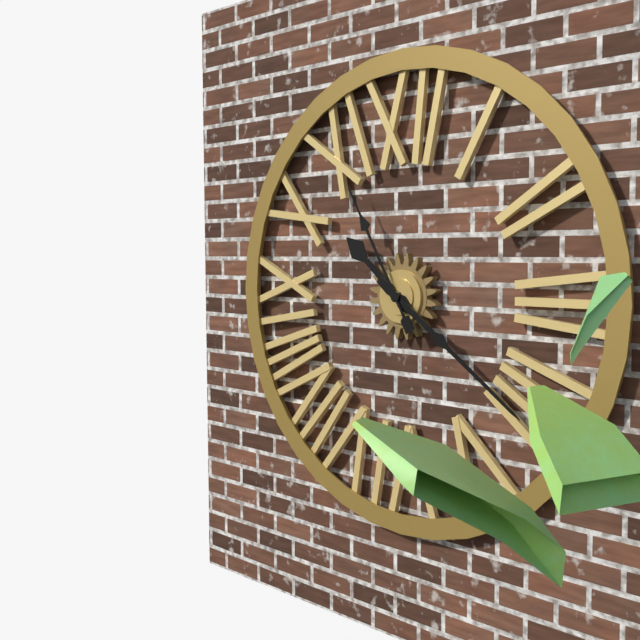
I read h=10 m=21 s=55
